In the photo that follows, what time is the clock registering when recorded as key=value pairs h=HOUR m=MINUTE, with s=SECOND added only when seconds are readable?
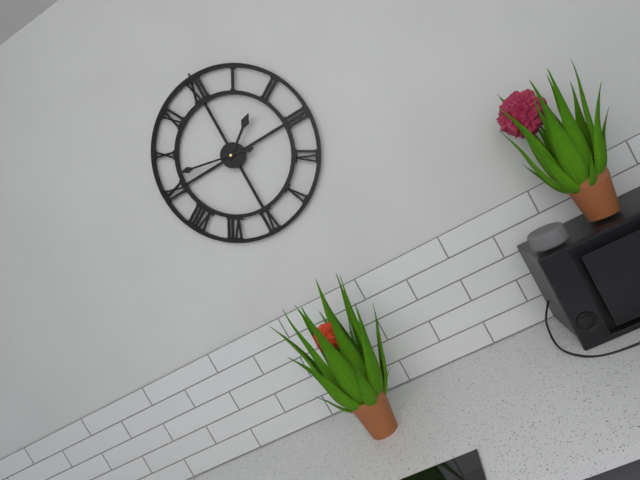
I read h=1 m=47
